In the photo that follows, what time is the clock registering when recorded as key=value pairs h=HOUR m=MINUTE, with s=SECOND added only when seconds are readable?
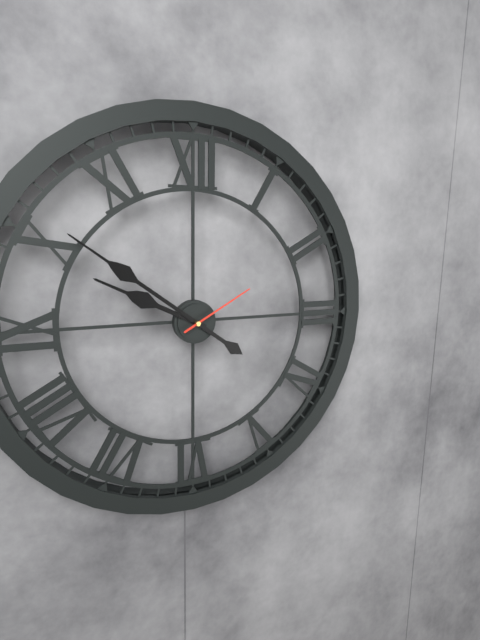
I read h=9 m=51 s=10
